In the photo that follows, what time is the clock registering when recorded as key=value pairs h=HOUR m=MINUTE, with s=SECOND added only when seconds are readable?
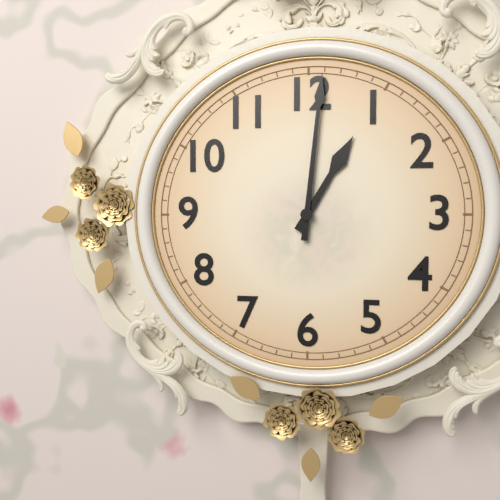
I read h=1 m=1
